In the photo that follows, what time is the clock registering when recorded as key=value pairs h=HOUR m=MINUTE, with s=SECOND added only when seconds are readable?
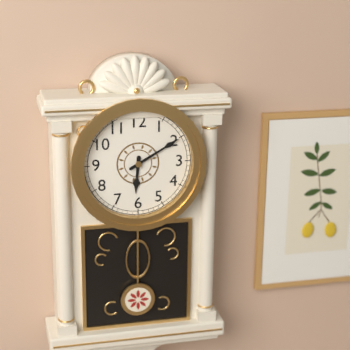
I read h=6 m=10
